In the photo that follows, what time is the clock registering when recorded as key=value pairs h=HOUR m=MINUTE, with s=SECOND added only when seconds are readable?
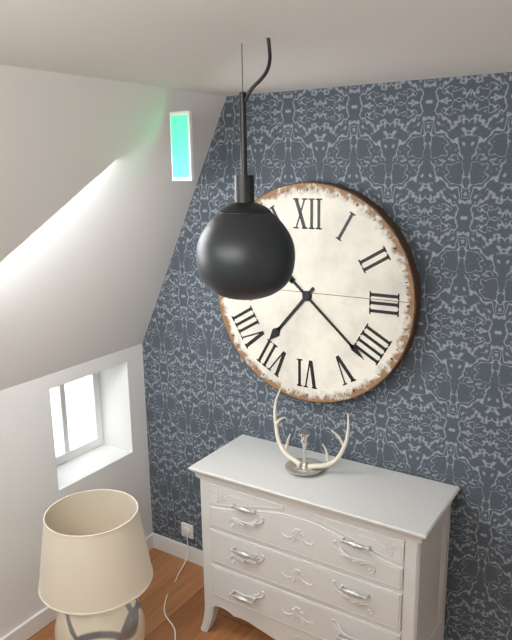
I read h=7 m=22
